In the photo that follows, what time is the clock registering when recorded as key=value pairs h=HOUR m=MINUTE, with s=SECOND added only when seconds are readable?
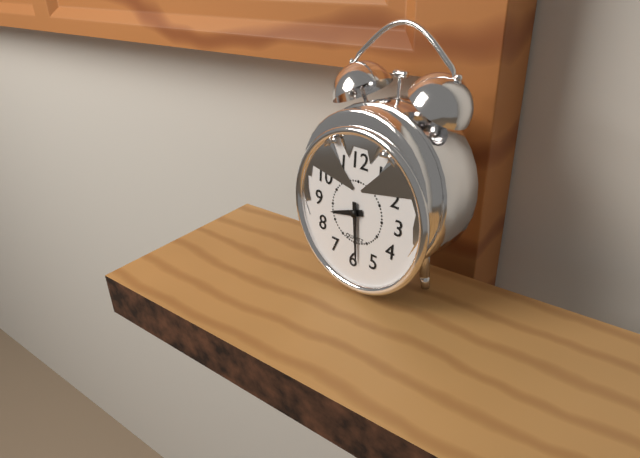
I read h=8 m=29
